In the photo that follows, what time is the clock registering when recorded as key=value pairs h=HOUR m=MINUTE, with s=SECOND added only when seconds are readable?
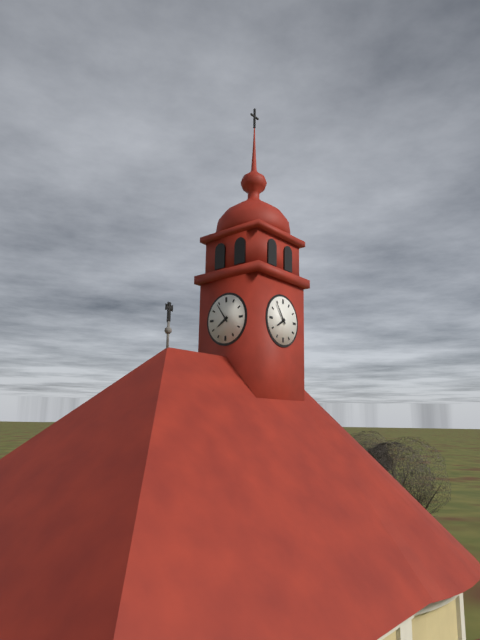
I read h=7 m=54
